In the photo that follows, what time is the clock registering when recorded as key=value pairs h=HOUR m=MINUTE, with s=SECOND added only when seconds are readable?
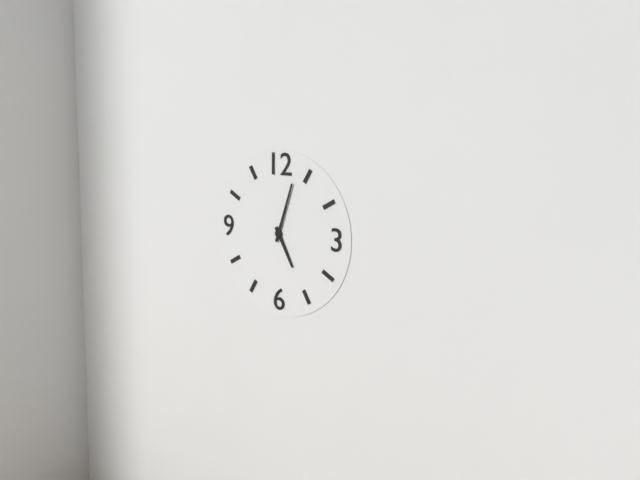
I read h=5 m=3
